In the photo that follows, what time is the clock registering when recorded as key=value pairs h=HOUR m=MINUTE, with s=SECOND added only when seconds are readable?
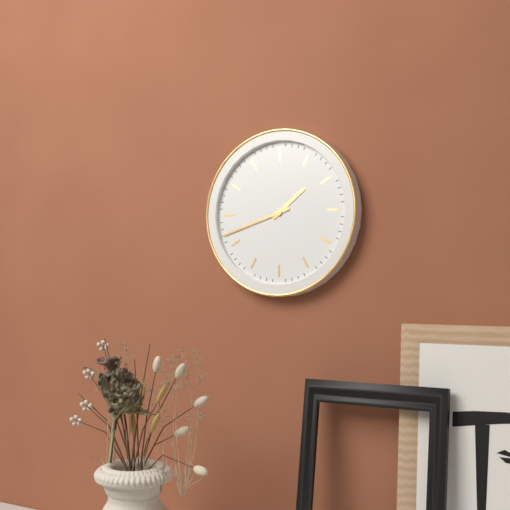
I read h=1 m=42
